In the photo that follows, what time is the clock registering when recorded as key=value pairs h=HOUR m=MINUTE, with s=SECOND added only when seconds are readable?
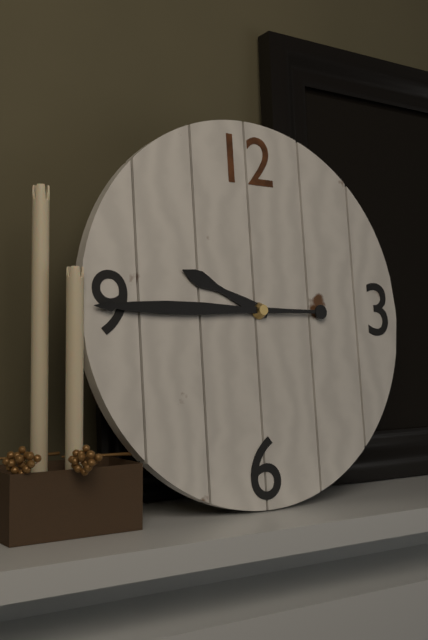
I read h=9 m=45
